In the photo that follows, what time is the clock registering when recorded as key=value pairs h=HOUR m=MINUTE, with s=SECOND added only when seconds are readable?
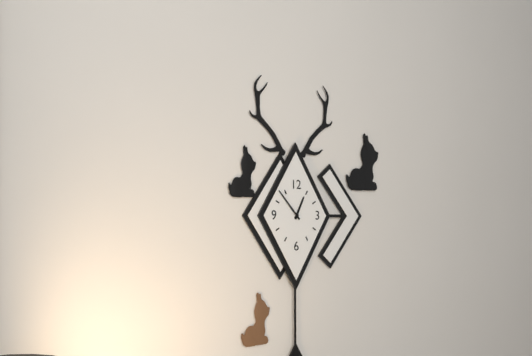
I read h=12 m=53
